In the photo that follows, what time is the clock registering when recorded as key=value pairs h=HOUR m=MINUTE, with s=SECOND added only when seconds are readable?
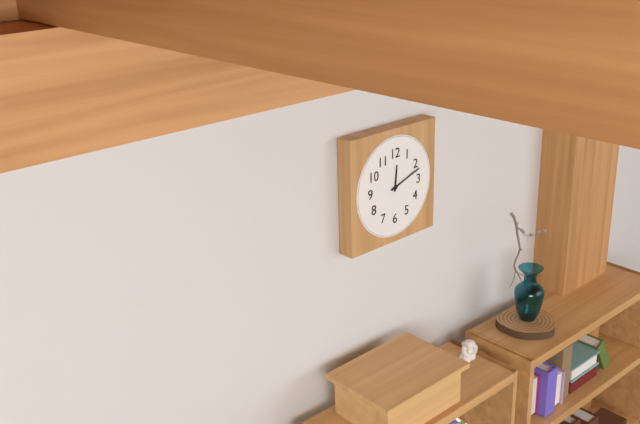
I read h=12 m=12
